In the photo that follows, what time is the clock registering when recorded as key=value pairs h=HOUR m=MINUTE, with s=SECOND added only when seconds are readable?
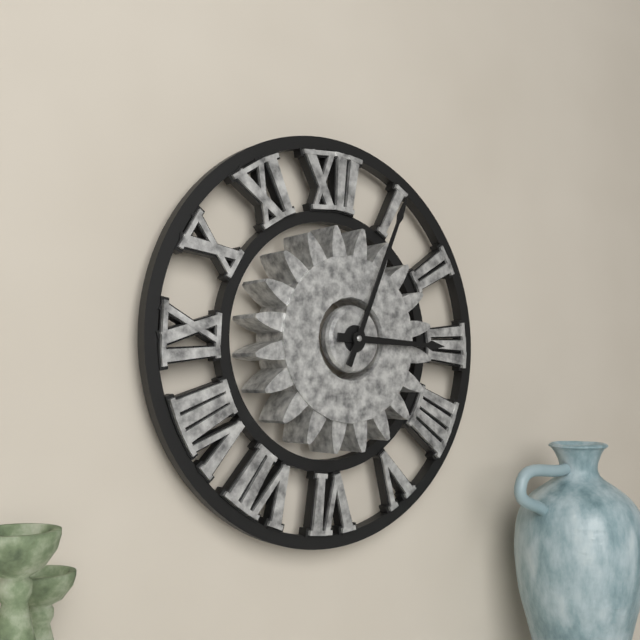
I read h=3 m=4
